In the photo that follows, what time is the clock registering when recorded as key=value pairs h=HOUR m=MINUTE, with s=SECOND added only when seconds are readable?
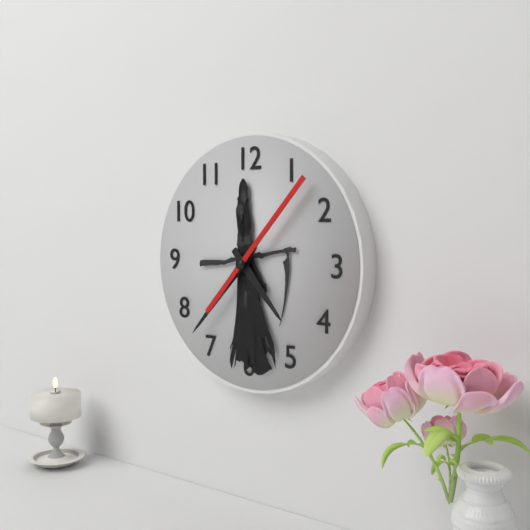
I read h=4 m=37 s=7
